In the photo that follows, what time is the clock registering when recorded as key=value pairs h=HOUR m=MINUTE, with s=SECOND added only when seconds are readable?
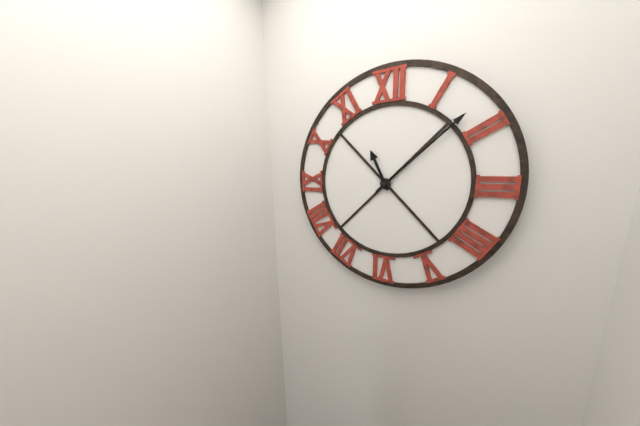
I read h=11 m=8
